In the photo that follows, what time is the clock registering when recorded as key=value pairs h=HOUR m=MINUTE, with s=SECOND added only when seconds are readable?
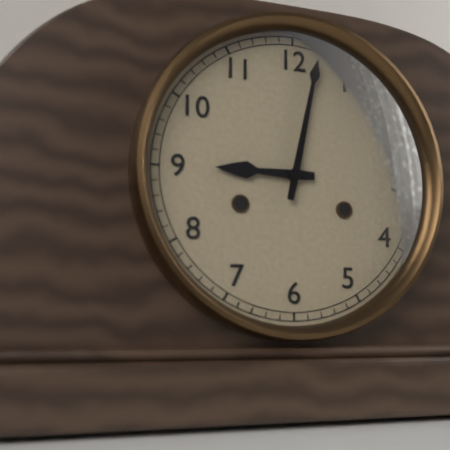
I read h=9 m=2
